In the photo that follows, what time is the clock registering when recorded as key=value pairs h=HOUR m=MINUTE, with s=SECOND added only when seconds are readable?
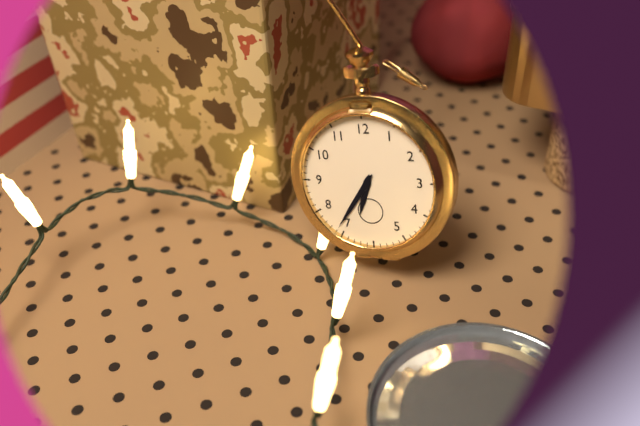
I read h=6 m=36
